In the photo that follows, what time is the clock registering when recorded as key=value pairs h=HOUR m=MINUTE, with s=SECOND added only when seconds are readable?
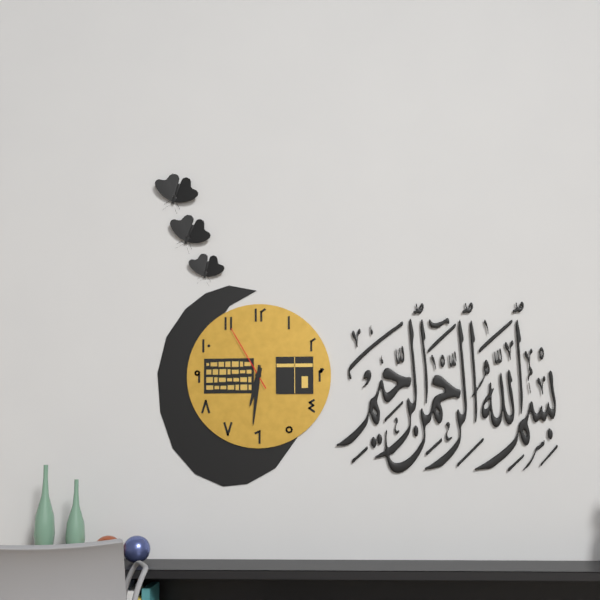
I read h=6 m=31 s=55
